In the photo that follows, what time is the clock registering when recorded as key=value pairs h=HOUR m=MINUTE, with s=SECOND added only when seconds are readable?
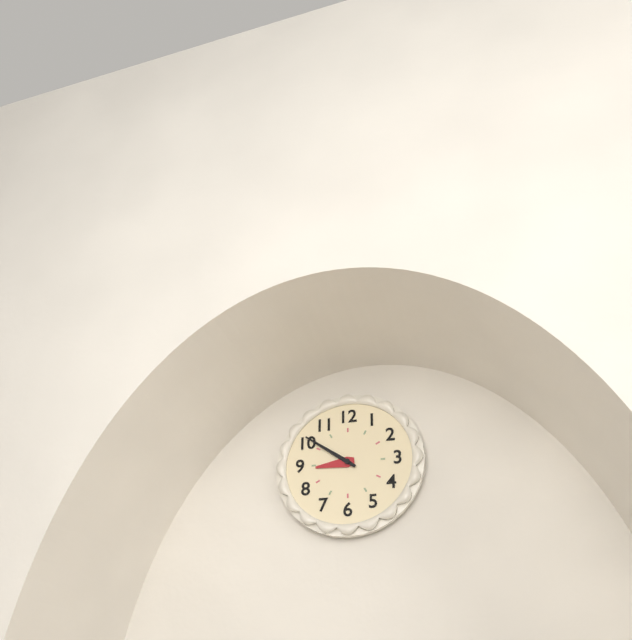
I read h=8 m=51
